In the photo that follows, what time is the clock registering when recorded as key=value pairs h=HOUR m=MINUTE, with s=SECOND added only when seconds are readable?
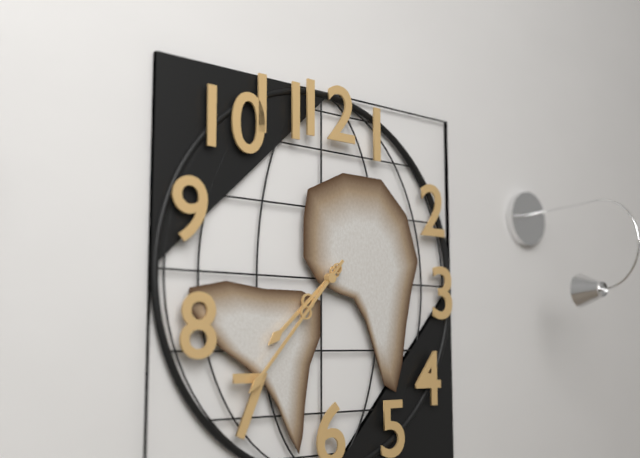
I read h=7 m=37
